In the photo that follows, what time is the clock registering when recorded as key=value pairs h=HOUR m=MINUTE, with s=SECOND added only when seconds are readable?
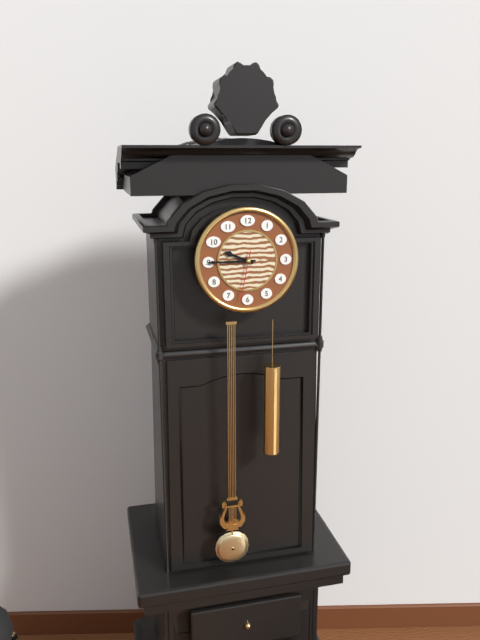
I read h=9 m=45
